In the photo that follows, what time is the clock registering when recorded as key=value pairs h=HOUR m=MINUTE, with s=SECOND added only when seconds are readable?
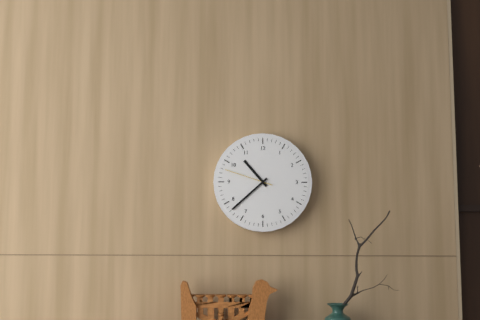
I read h=10 m=38
